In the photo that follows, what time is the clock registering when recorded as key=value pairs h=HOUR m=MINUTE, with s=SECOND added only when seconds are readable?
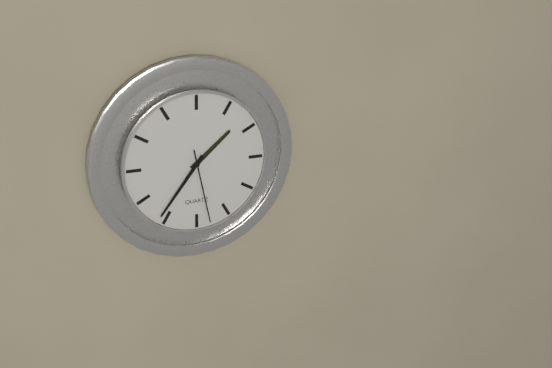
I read h=1 m=36 s=28
